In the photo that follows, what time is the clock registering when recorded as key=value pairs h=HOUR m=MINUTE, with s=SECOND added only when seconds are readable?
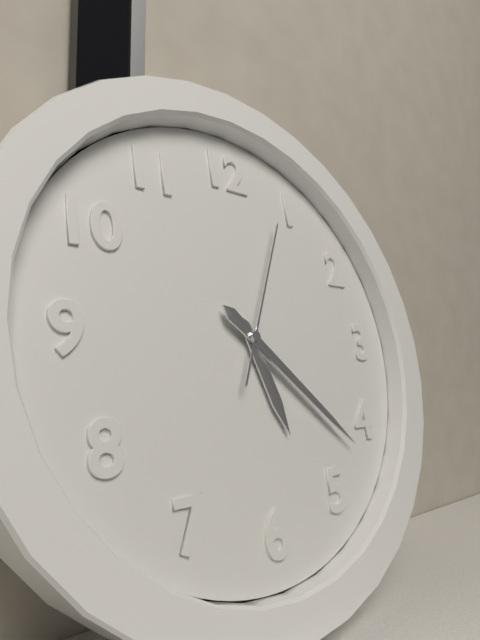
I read h=5 m=22 s=4
